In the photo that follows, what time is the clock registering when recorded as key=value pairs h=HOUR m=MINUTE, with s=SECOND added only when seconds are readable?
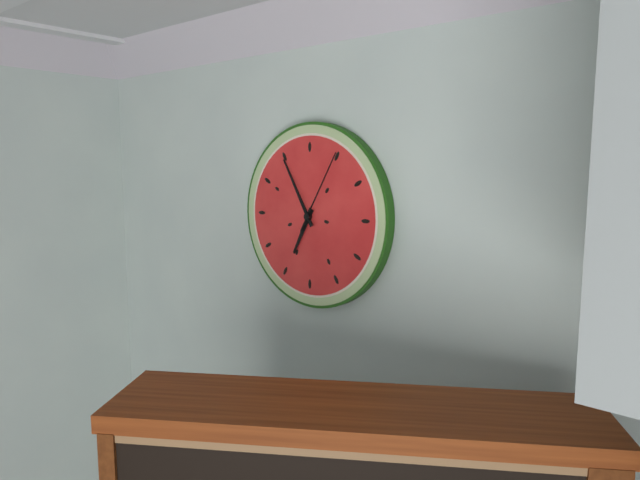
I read h=6 m=55 s=5
